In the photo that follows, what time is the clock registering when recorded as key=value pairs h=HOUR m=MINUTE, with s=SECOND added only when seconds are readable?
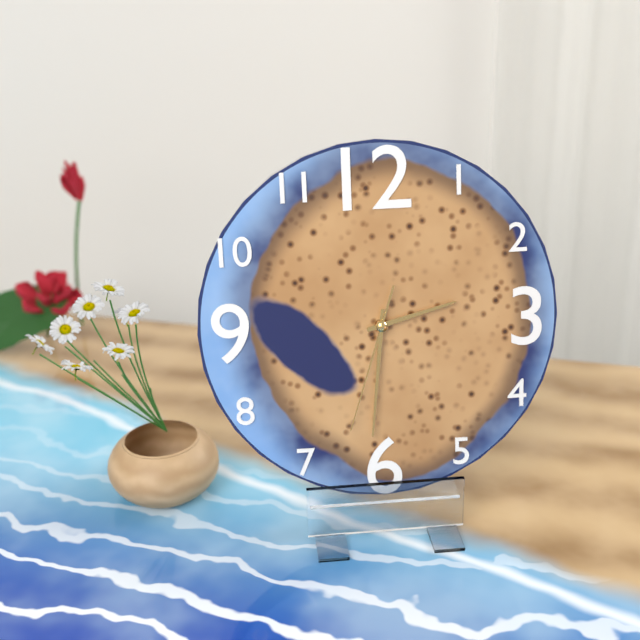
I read h=2 m=31 s=33
